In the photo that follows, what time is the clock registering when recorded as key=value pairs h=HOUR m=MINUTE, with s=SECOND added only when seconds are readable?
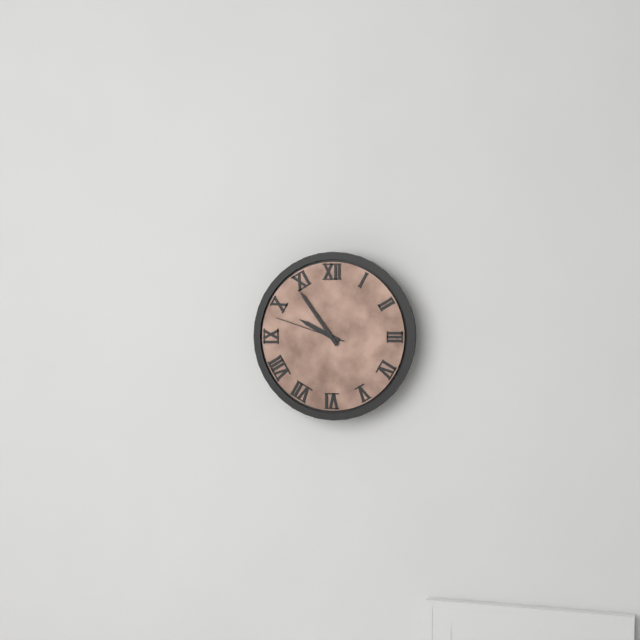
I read h=9 m=54 s=48
